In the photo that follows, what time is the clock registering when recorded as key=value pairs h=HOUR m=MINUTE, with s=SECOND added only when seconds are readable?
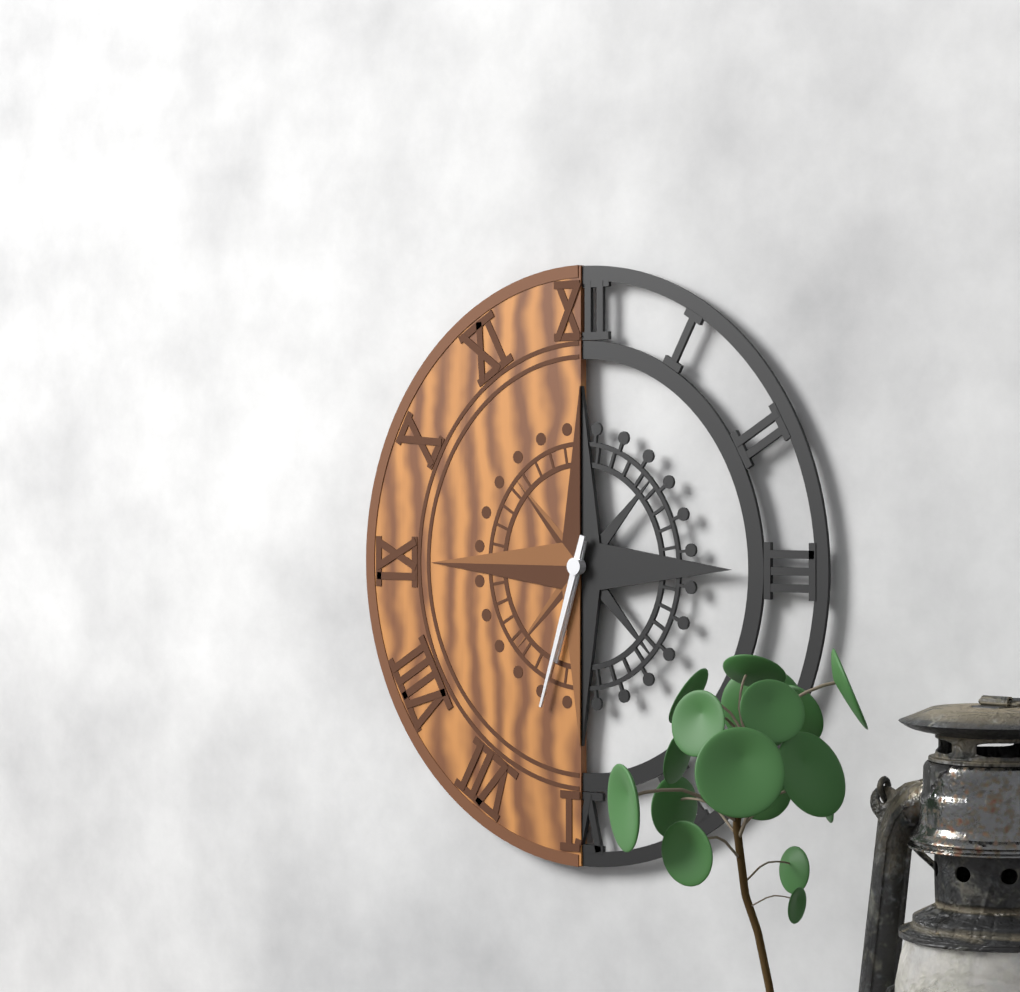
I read h=6 m=33
